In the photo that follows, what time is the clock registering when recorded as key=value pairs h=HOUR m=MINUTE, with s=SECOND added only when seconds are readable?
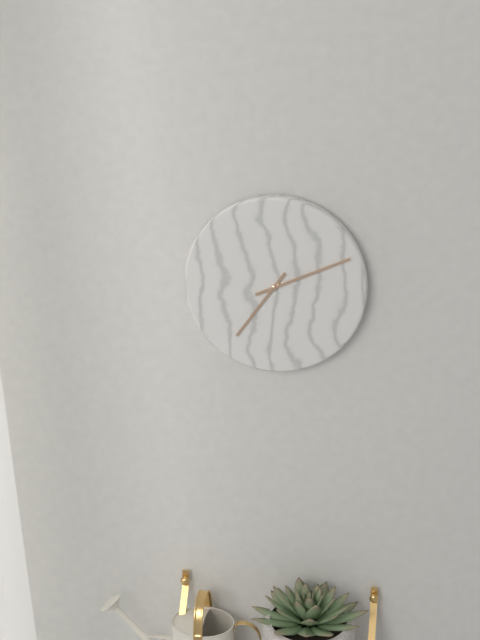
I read h=7 m=11
